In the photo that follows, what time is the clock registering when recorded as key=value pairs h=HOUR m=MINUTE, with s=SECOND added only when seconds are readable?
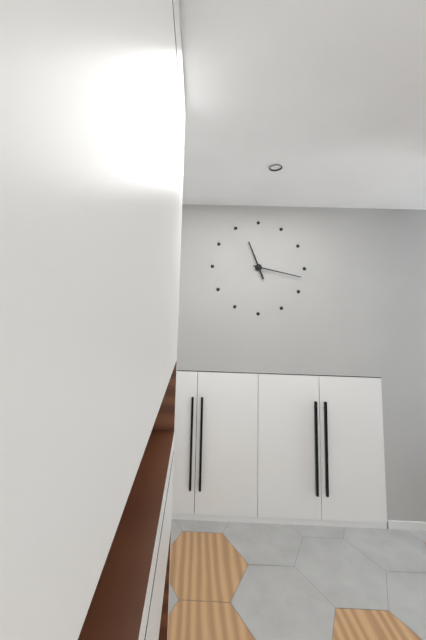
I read h=11 m=17
